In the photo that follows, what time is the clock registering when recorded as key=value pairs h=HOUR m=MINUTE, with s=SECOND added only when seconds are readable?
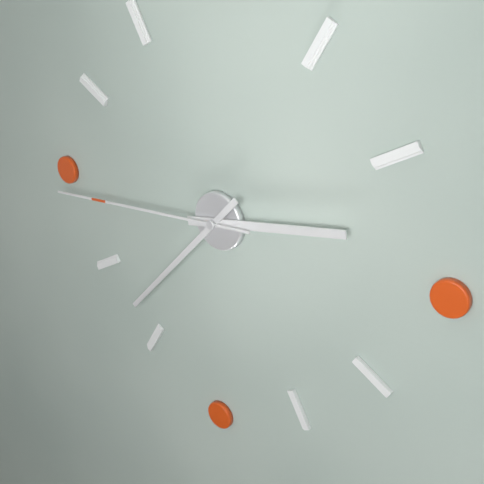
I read h=2 m=37 s=44
